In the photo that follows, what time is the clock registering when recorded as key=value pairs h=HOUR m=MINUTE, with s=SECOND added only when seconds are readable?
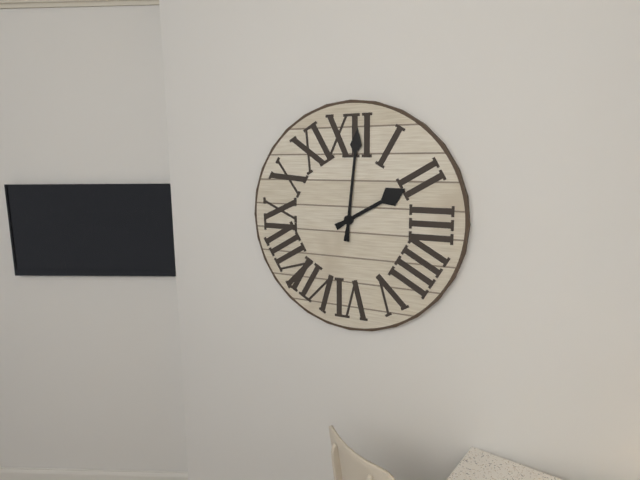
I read h=2 m=1
